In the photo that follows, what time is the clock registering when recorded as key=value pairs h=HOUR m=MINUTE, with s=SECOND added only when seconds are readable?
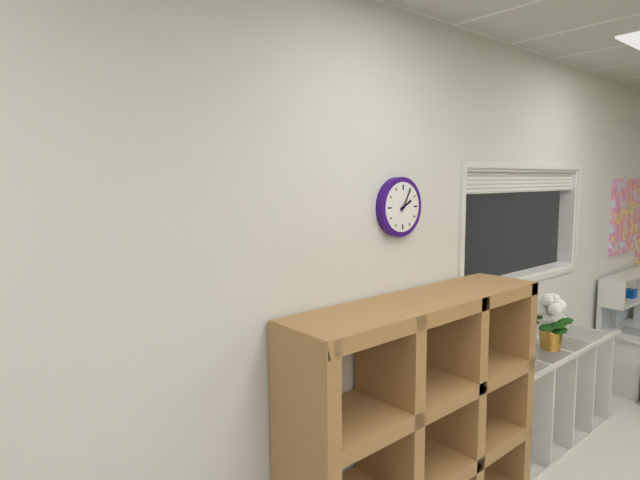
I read h=2 m=5
